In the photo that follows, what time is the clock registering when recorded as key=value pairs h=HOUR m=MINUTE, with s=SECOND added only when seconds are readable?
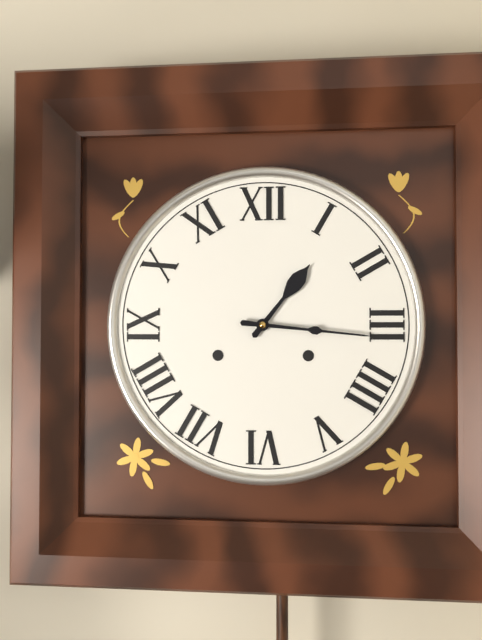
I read h=1 m=16
